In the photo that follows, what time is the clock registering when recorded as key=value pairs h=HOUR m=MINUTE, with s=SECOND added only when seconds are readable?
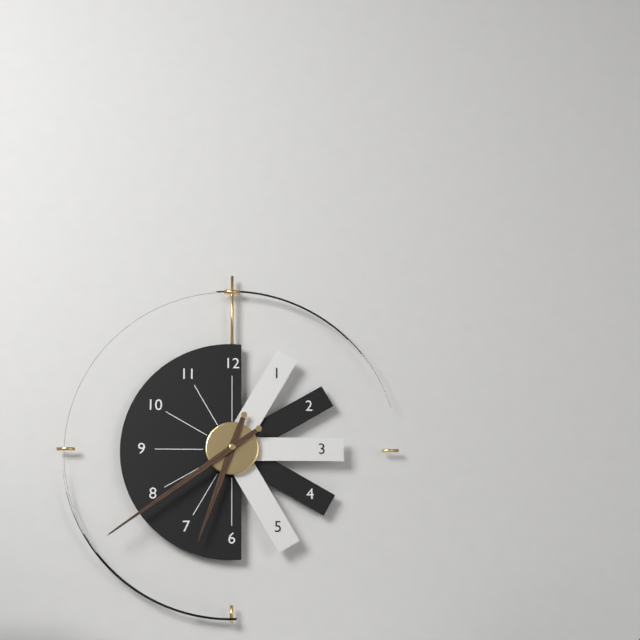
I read h=6 m=39
